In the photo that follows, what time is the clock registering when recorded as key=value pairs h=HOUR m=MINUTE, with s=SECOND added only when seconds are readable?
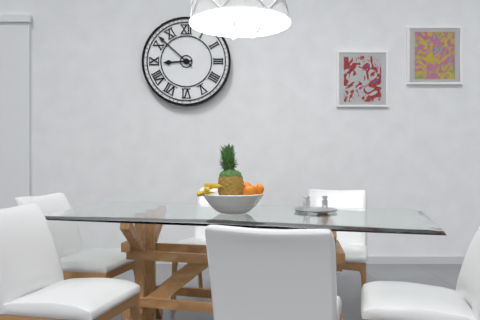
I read h=8 m=52
